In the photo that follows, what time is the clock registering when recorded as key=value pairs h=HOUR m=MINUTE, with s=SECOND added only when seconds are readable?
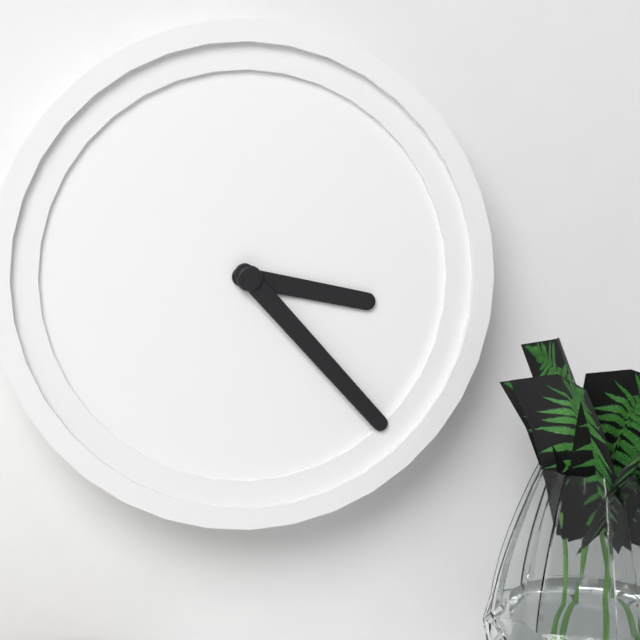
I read h=3 m=23
